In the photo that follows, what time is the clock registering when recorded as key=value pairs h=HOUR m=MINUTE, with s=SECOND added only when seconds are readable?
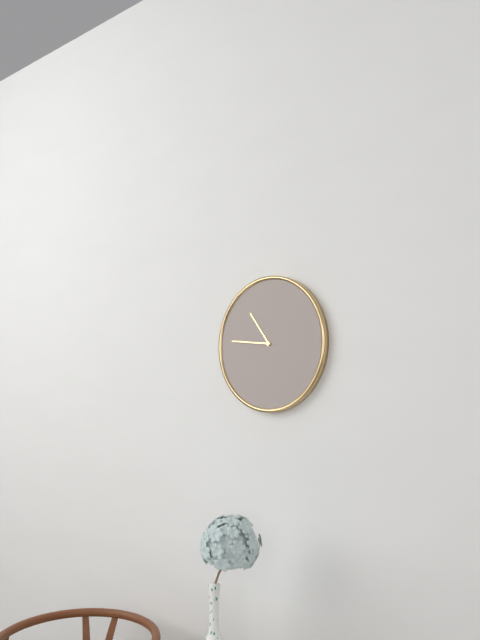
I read h=10 m=46
